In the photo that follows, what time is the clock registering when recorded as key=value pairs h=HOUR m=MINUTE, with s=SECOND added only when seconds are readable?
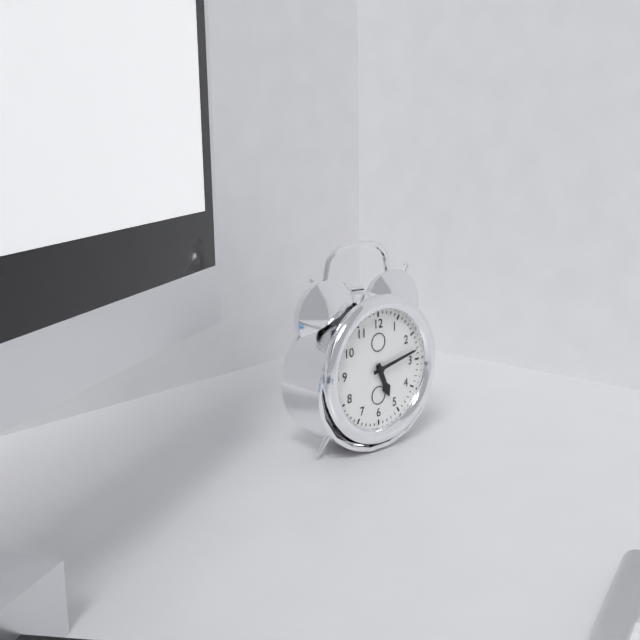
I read h=5 m=13
